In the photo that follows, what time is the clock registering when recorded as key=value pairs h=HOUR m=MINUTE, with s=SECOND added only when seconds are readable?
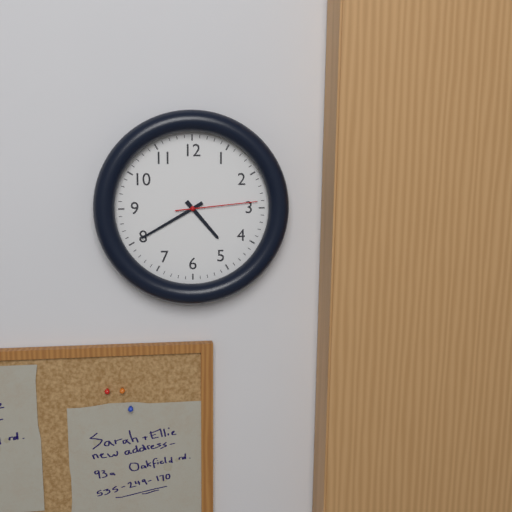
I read h=4 m=40 s=14
